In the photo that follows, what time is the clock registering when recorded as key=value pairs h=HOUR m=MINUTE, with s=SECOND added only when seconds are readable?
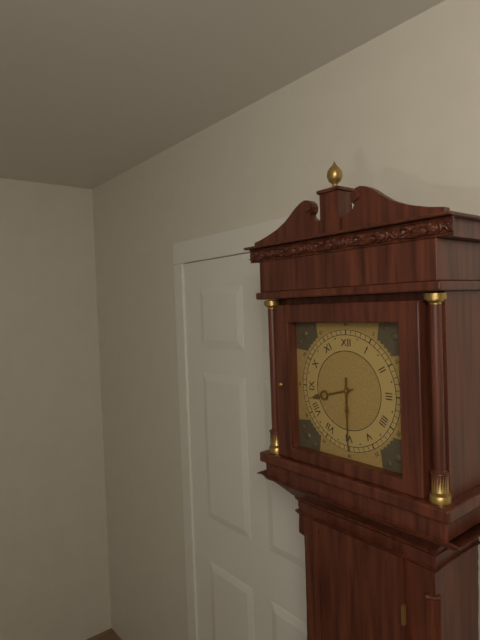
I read h=8 m=30
